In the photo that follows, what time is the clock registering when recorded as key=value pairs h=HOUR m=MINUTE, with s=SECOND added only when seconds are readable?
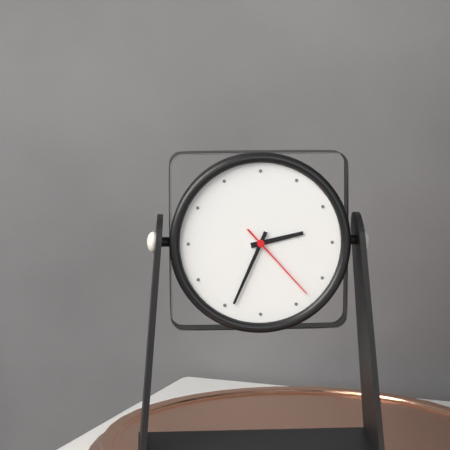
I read h=2 m=34 s=23
